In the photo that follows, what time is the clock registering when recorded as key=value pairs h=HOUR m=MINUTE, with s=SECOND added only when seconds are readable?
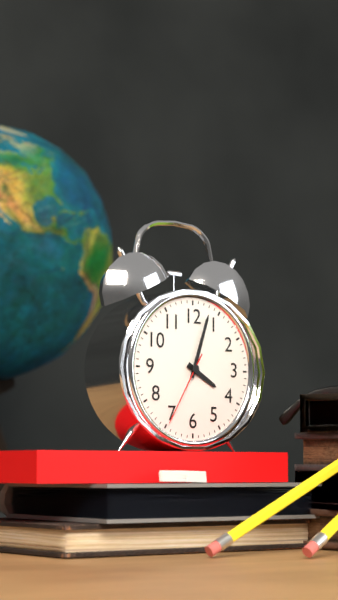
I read h=4 m=3 s=35
